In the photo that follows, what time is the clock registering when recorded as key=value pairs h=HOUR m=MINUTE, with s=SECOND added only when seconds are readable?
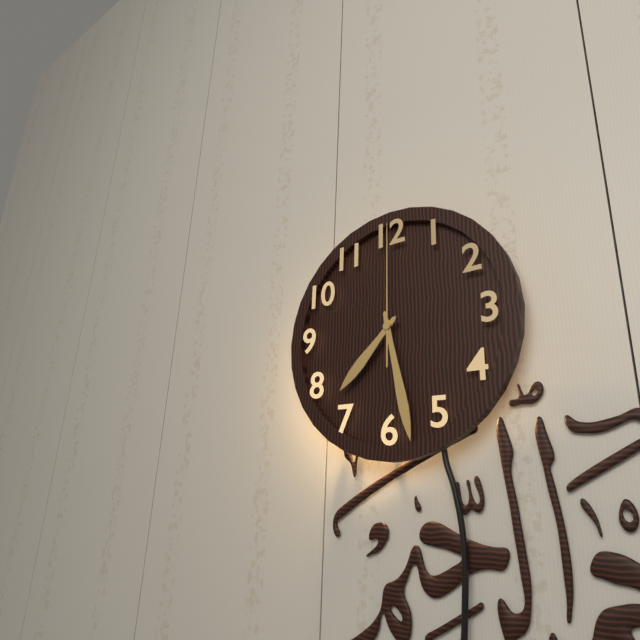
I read h=7 m=28 s=0
